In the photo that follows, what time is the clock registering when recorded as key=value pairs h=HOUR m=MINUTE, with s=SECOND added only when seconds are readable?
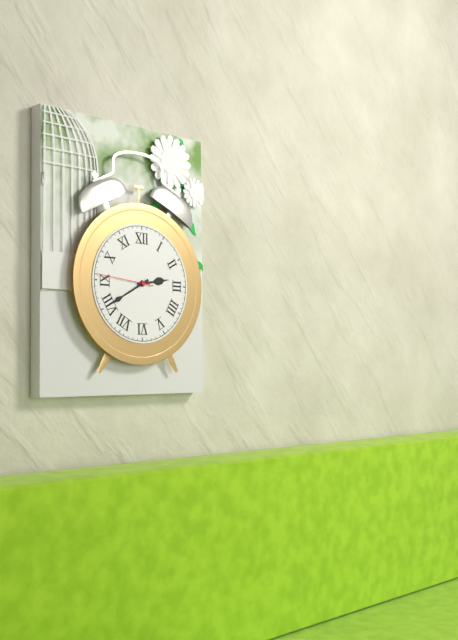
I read h=2 m=40 s=46
